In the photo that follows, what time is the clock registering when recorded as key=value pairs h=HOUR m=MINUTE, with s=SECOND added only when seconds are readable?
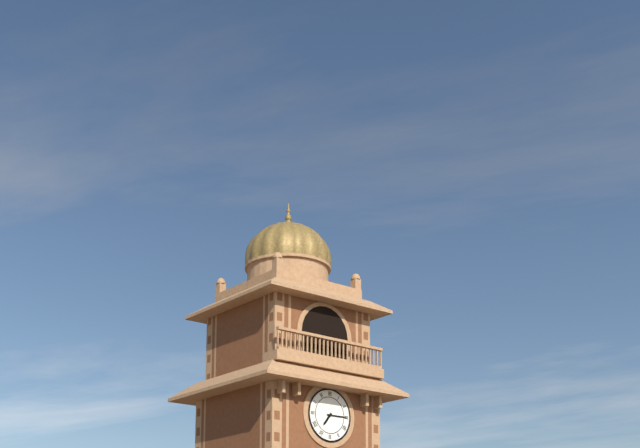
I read h=7 m=15
